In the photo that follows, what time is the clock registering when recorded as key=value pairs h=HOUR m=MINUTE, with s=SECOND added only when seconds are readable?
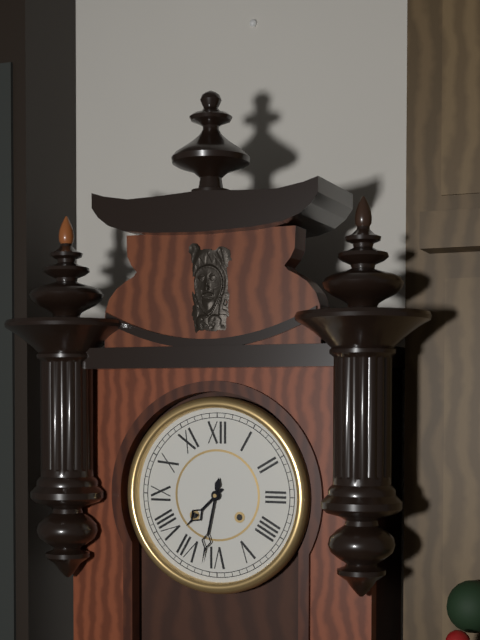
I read h=7 m=32
